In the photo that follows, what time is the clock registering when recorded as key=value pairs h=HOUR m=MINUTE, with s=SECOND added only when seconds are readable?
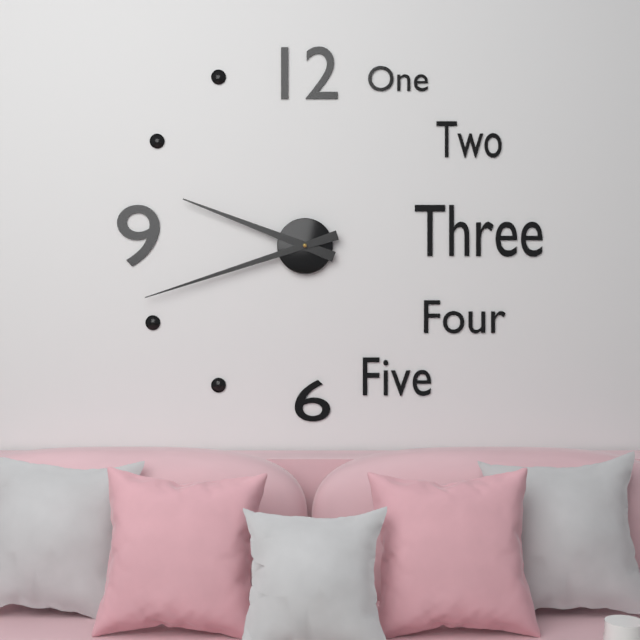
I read h=9 m=42
